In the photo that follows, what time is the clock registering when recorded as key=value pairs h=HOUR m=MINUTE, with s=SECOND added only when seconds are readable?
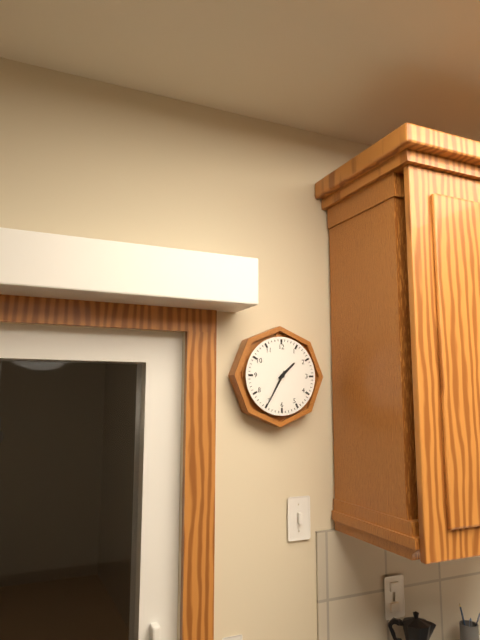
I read h=1 m=35
